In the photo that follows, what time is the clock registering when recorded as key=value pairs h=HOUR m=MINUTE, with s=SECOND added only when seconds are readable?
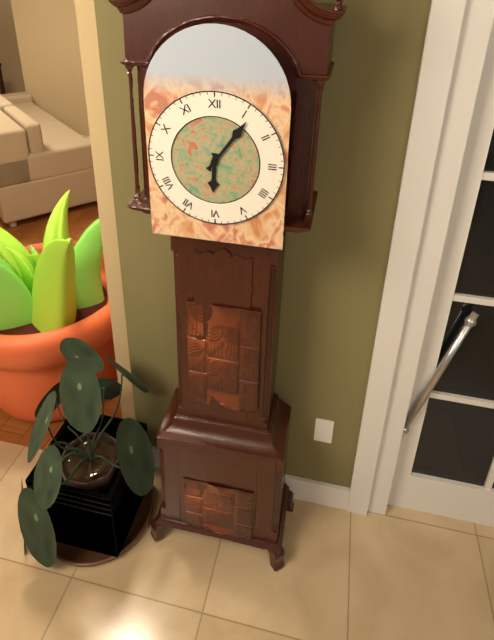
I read h=6 m=6
